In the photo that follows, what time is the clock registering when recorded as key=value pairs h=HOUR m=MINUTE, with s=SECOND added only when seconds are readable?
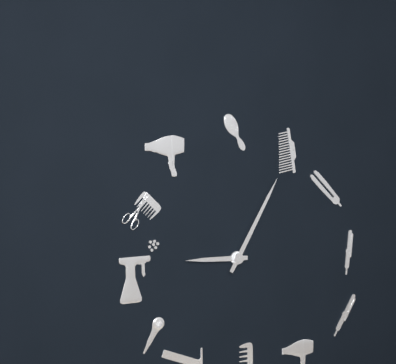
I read h=9 m=5
